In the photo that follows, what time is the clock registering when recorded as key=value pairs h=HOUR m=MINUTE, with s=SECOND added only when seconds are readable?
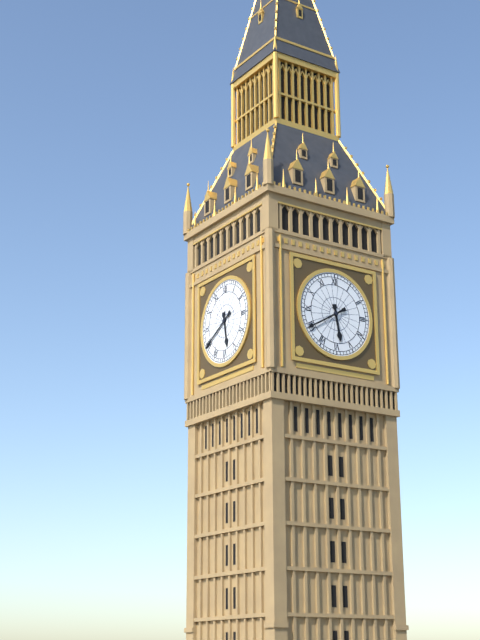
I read h=5 m=40
